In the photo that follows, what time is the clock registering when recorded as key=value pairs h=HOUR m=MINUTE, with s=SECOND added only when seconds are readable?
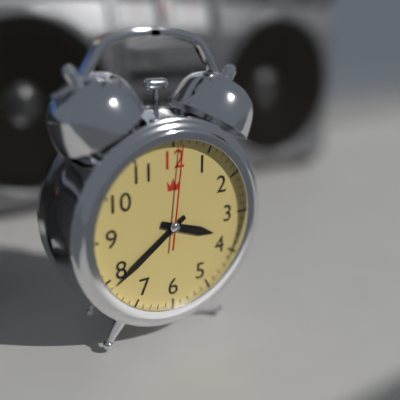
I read h=3 m=39 s=1
